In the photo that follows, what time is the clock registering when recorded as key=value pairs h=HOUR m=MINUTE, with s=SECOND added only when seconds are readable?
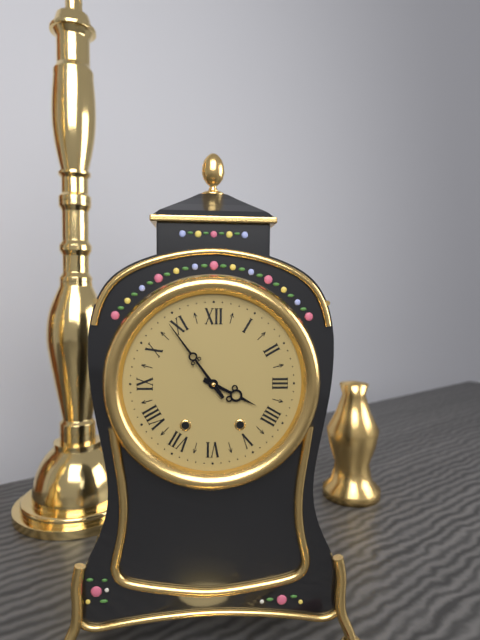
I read h=3 m=54
